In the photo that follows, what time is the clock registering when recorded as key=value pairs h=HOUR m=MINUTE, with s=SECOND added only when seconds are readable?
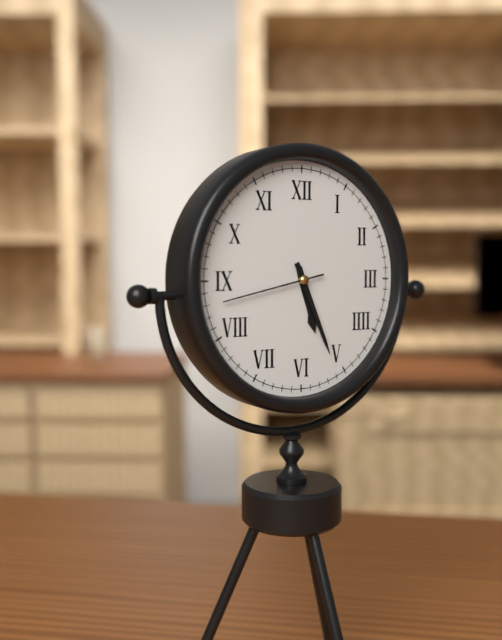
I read h=5 m=26 s=43
